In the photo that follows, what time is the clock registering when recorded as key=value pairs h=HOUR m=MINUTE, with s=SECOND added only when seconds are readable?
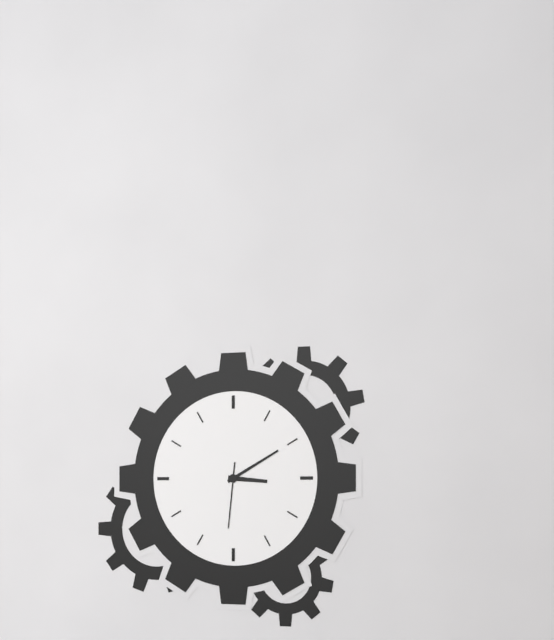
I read h=3 m=10 s=31
